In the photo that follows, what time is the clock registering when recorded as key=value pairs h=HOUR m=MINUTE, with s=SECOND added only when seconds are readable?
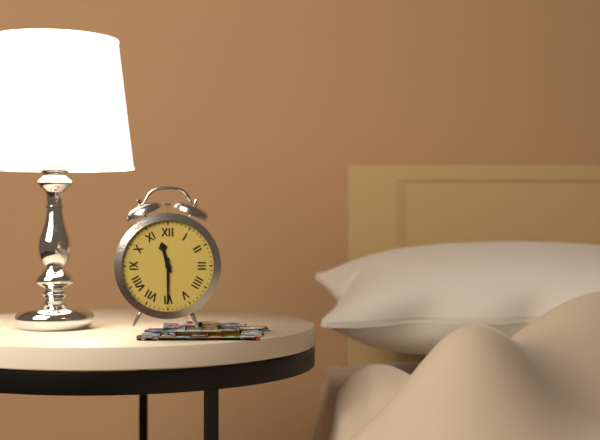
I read h=11 m=30
